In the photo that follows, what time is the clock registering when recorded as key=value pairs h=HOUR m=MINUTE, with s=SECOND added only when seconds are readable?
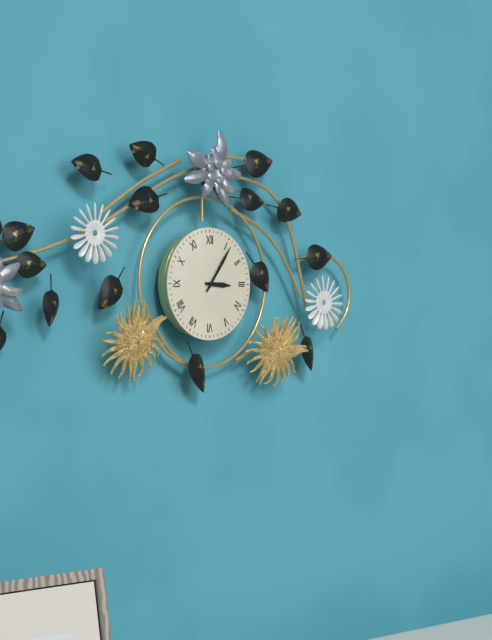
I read h=3 m=6
